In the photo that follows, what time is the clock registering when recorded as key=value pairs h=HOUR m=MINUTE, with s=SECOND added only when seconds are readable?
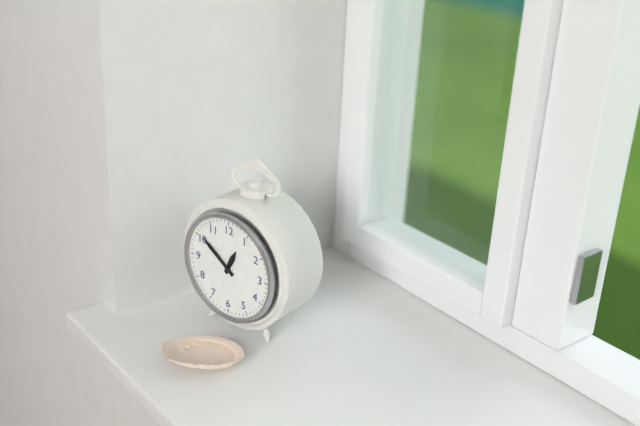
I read h=12 m=51
